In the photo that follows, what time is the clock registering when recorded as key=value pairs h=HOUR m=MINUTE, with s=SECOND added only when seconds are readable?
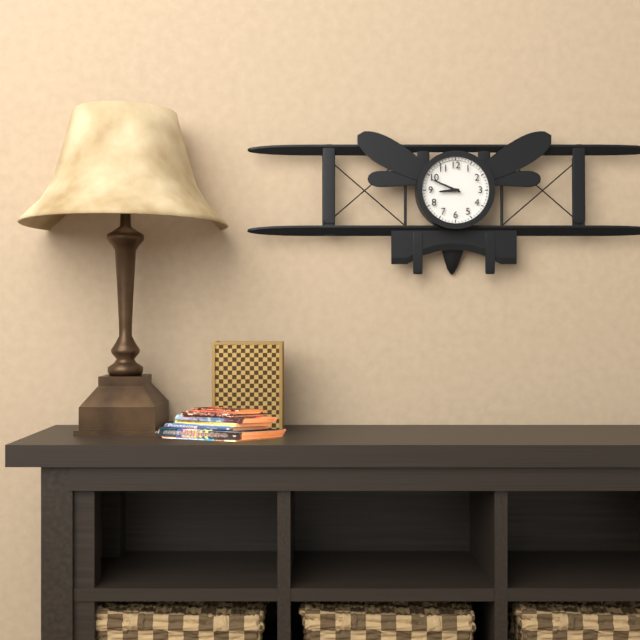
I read h=8 m=49
